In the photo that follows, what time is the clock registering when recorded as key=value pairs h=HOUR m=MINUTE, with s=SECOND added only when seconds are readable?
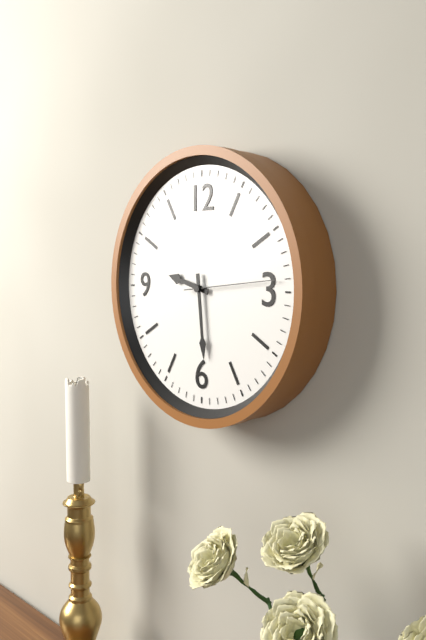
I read h=9 m=29 s=14
